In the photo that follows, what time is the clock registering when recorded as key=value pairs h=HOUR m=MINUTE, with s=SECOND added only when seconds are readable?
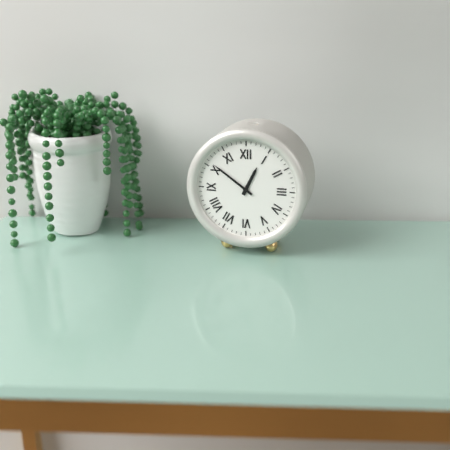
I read h=12 m=51
